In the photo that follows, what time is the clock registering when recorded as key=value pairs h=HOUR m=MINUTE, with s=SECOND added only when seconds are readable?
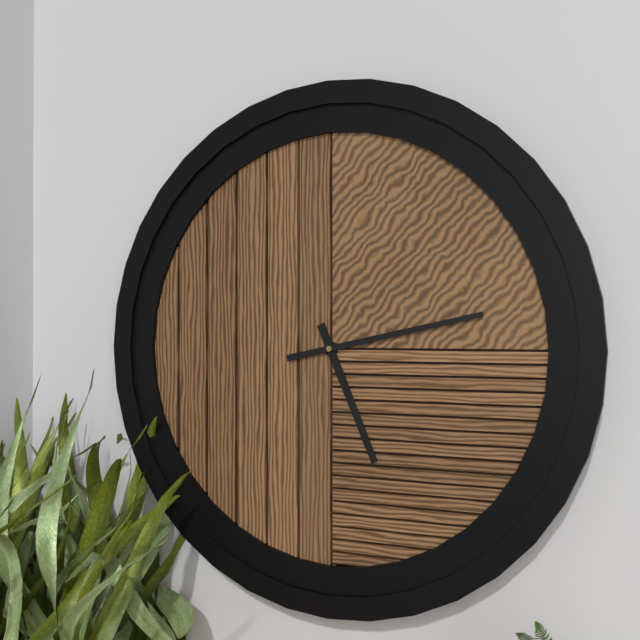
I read h=5 m=13
